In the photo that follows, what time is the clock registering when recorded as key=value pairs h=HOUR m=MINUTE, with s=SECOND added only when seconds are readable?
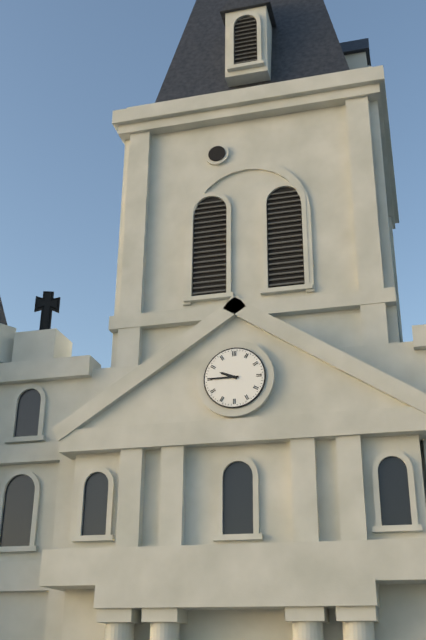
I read h=9 m=45
